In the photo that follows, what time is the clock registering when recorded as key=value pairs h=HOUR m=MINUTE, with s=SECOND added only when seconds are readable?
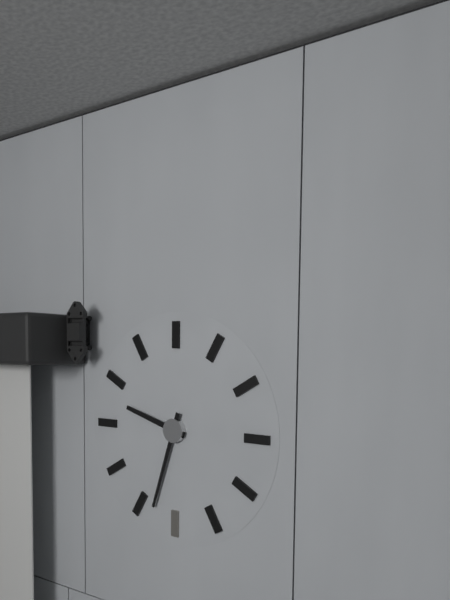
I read h=9 m=33
